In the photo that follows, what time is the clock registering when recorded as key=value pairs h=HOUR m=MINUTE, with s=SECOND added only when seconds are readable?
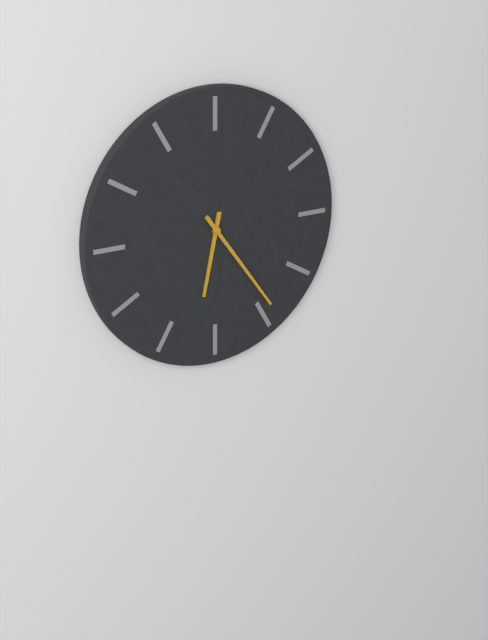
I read h=6 m=24
